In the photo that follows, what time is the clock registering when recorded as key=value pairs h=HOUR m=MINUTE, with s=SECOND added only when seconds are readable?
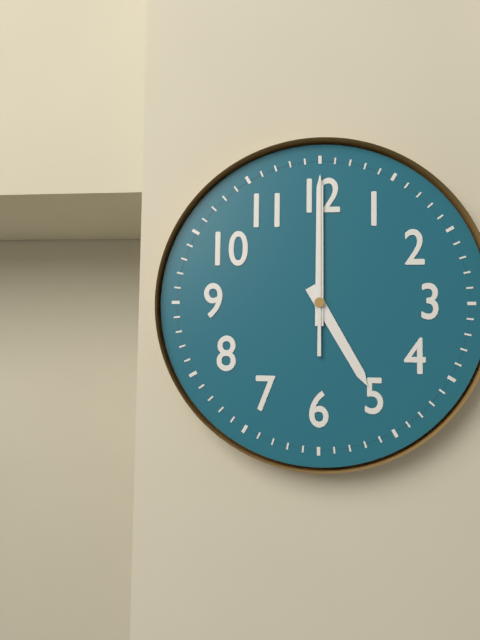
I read h=5 m=0 s=0
